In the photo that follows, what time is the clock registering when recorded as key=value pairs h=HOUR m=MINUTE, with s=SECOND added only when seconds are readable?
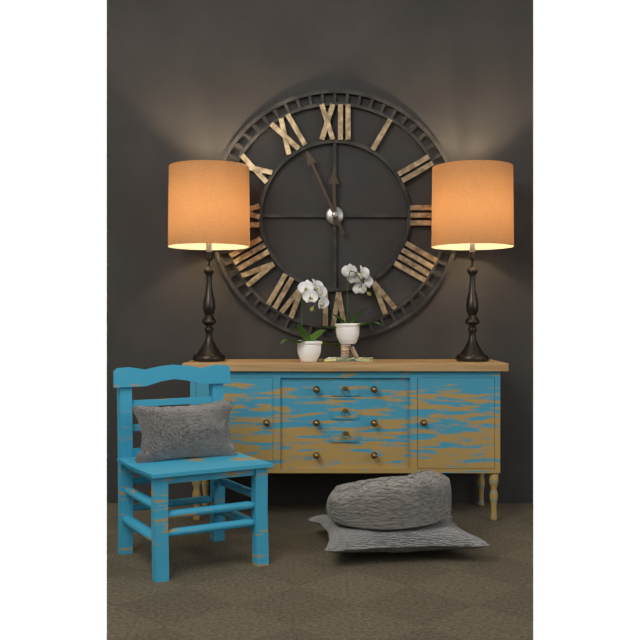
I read h=11 m=56
